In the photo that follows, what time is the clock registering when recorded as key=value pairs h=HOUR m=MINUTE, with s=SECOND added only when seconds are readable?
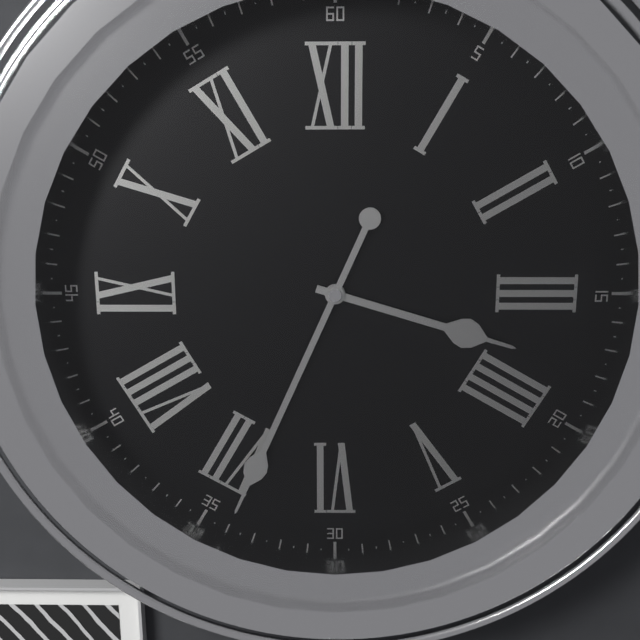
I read h=3 m=34
